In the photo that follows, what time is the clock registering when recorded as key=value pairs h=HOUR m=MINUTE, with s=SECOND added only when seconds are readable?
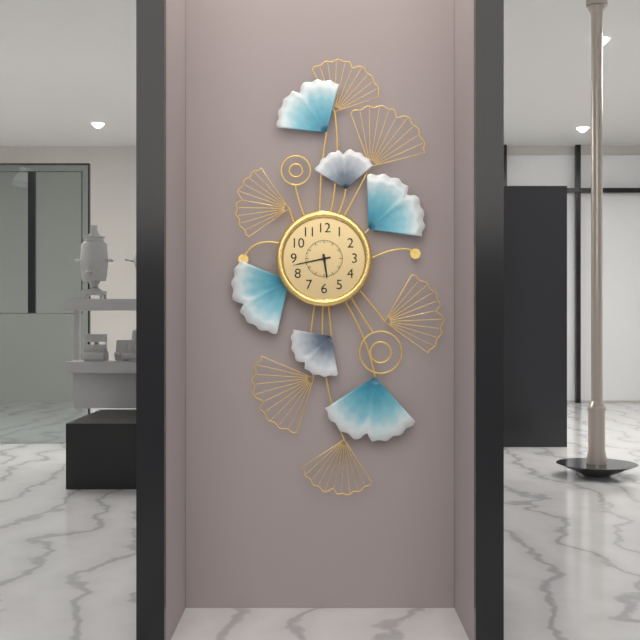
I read h=5 m=43
